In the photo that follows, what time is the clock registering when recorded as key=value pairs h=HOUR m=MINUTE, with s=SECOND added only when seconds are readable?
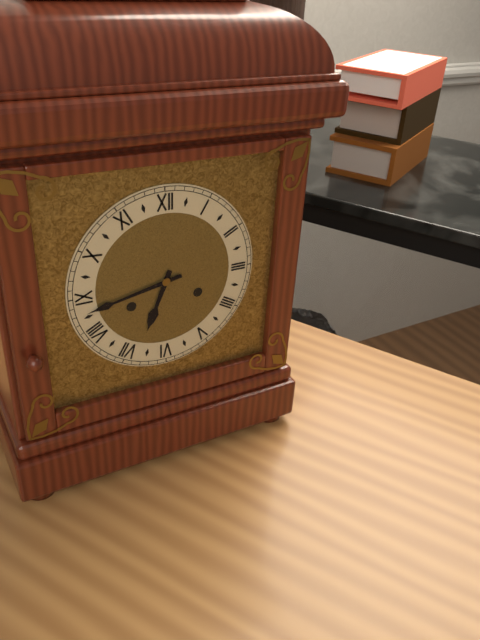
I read h=6 m=43
